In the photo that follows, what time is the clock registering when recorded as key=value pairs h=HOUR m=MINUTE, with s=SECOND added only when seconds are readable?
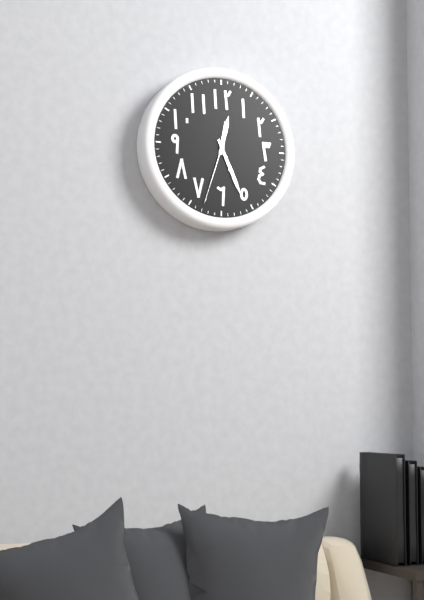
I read h=12 m=26 s=33
